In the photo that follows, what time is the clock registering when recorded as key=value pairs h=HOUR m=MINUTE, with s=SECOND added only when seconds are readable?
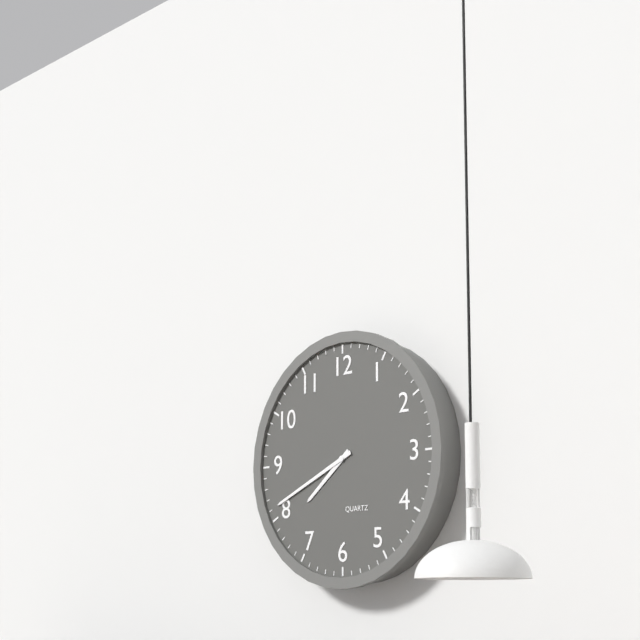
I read h=7 m=41
